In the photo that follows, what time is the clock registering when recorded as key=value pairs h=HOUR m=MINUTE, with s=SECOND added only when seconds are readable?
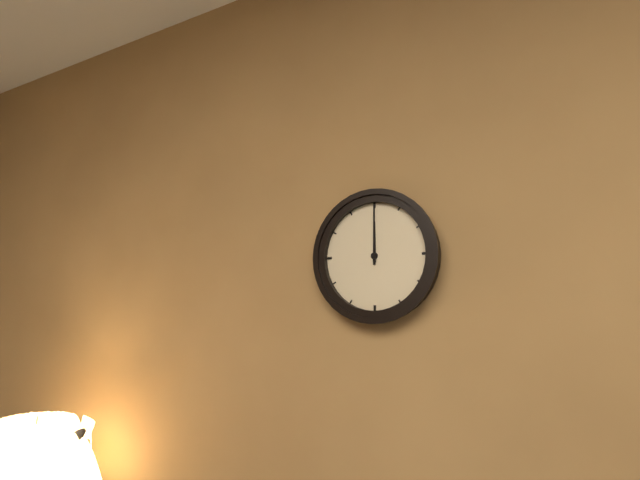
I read h=12 m=0
